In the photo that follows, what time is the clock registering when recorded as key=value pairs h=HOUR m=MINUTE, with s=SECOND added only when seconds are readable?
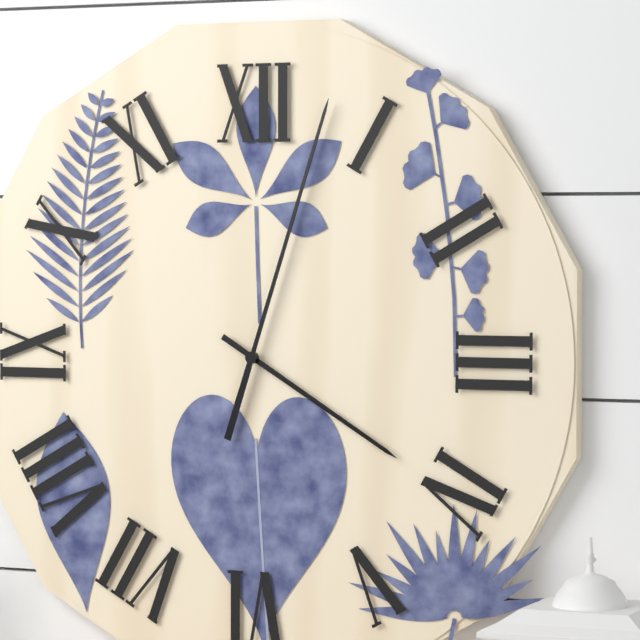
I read h=4 m=3
